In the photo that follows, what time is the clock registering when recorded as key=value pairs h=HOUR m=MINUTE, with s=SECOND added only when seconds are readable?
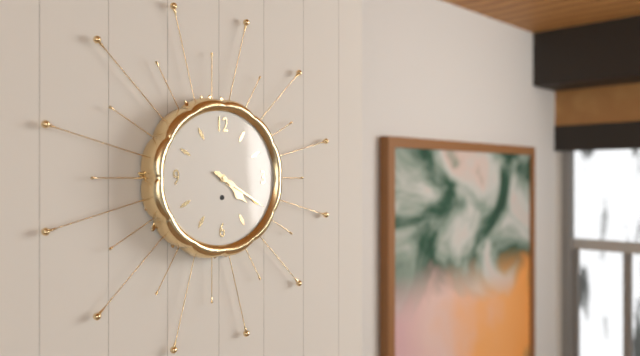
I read h=4 m=20
